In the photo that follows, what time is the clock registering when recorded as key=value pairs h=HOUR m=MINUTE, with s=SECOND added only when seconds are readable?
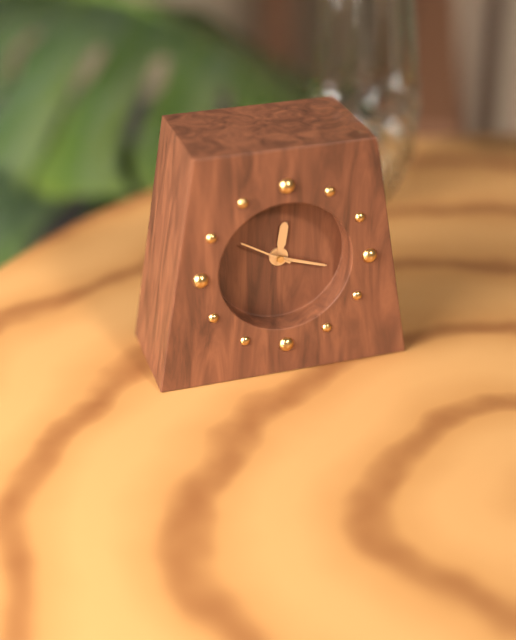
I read h=12 m=18 s=50
